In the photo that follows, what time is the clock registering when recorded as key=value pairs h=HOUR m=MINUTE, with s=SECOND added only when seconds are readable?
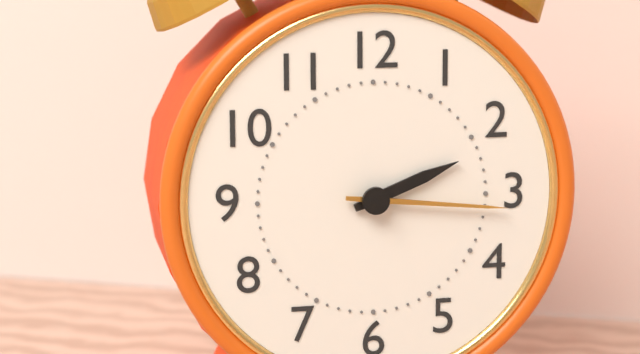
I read h=2 m=16
